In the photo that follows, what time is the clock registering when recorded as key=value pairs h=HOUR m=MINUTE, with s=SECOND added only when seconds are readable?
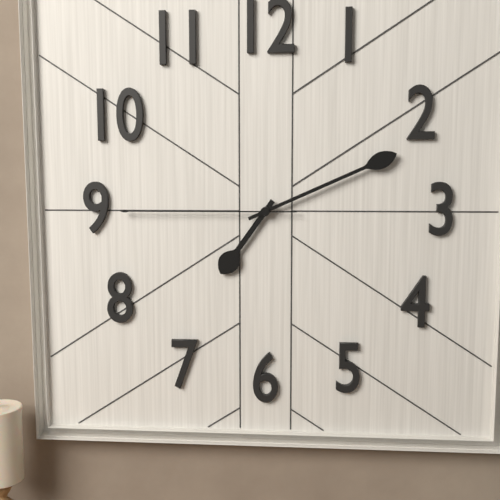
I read h=7 m=11 s=45
